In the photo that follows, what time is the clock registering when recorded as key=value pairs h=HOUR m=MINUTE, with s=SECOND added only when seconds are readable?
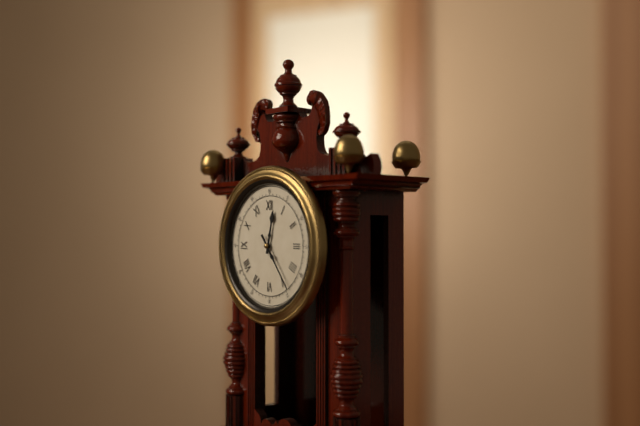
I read h=12 m=24
